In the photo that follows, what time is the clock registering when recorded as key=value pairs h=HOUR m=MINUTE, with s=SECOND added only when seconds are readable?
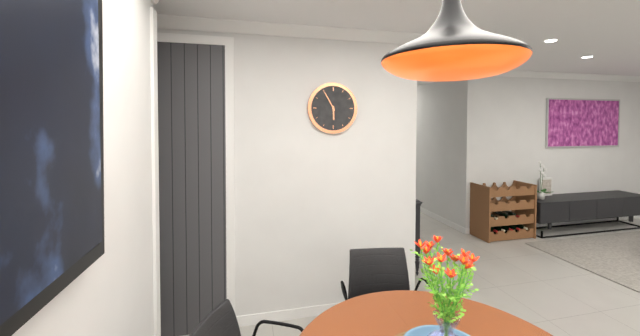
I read h=5 m=55
